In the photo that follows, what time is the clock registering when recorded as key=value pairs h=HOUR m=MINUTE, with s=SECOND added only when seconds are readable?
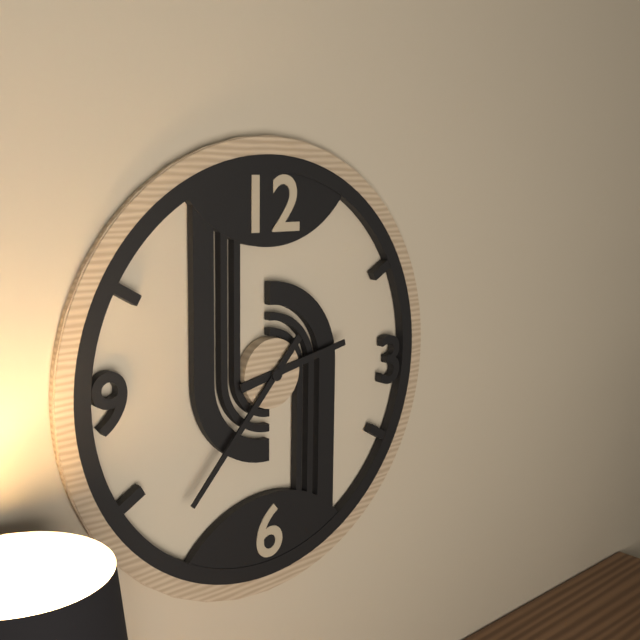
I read h=2 m=37
